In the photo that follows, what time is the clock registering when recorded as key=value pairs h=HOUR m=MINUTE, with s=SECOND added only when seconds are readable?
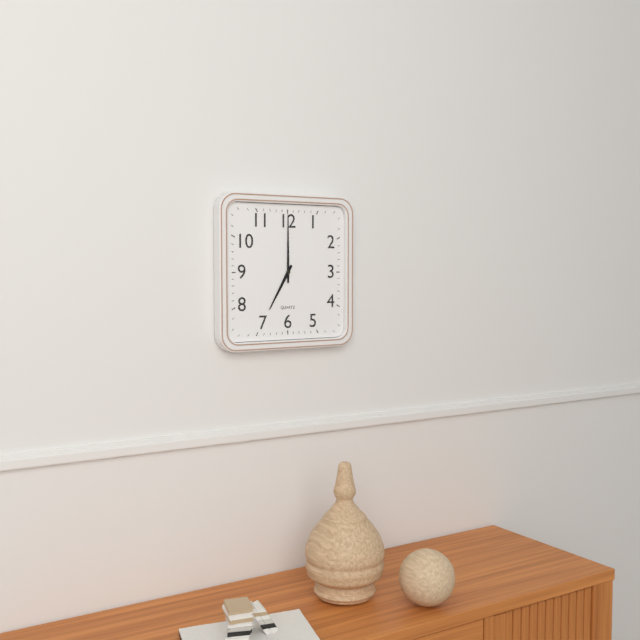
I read h=7 m=0
